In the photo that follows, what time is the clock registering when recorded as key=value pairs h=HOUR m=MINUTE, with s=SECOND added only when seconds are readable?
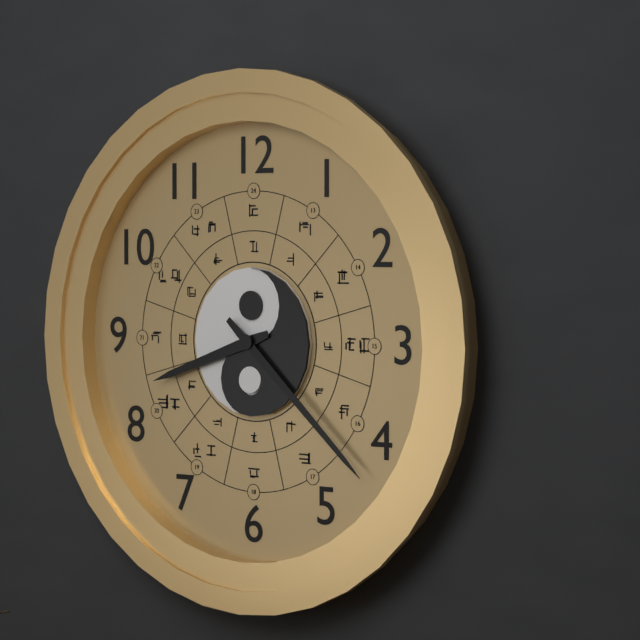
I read h=8 m=22
